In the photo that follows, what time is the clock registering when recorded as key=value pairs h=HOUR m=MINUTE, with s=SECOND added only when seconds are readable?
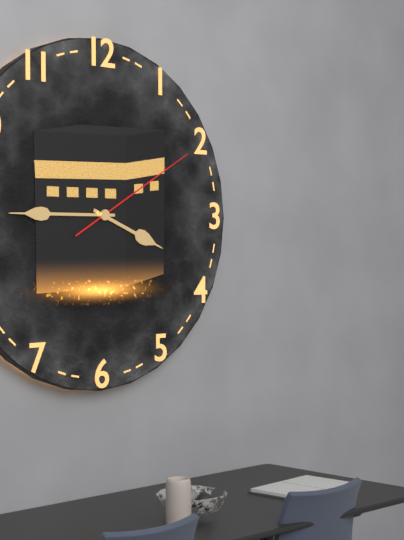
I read h=3 m=45 s=10
